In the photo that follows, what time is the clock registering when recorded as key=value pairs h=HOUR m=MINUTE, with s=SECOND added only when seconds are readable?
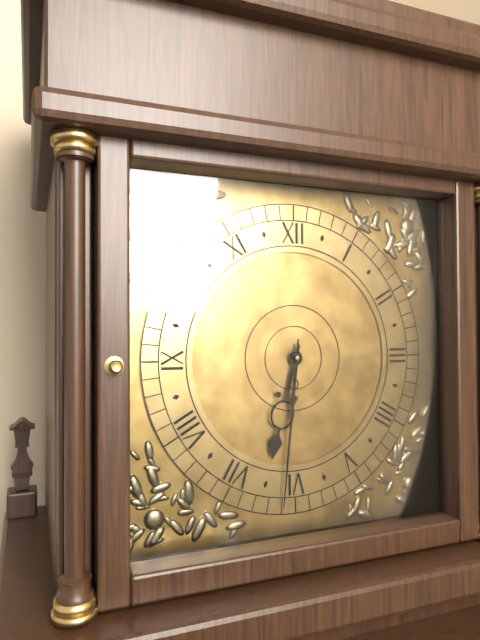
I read h=6 m=31
